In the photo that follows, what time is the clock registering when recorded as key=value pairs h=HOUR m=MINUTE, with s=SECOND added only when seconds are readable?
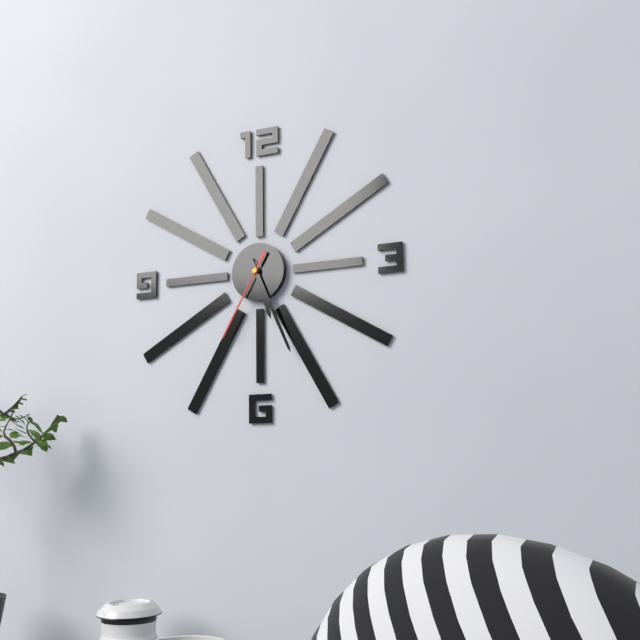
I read h=5 m=26 s=35
